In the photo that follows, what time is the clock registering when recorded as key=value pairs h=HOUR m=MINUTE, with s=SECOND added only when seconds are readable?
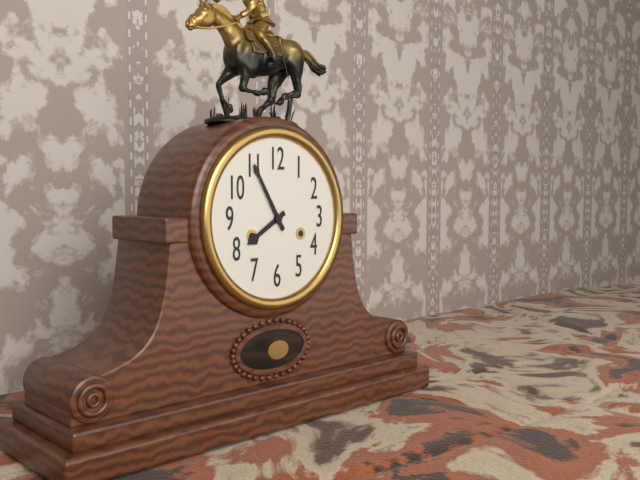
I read h=7 m=55
